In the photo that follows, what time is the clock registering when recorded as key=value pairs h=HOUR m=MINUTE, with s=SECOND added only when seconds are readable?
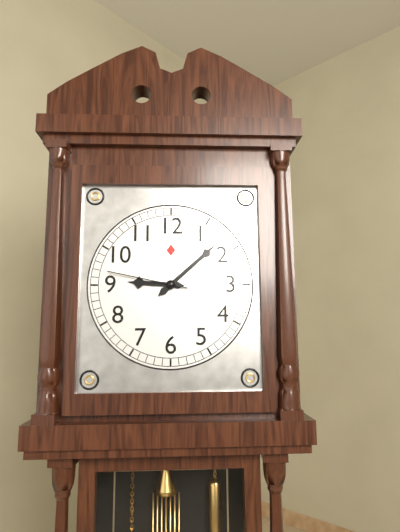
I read h=9 m=8 s=47
